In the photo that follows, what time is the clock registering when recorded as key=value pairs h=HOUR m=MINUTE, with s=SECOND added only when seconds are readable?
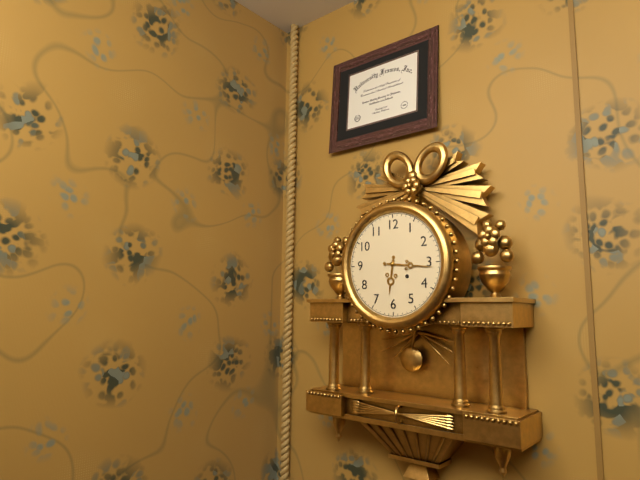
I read h=6 m=16
